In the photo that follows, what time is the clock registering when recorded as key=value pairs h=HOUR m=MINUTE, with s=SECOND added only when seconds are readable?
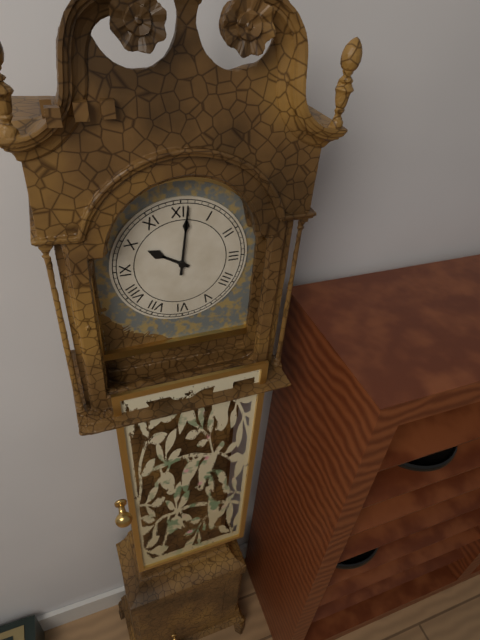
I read h=10 m=1
